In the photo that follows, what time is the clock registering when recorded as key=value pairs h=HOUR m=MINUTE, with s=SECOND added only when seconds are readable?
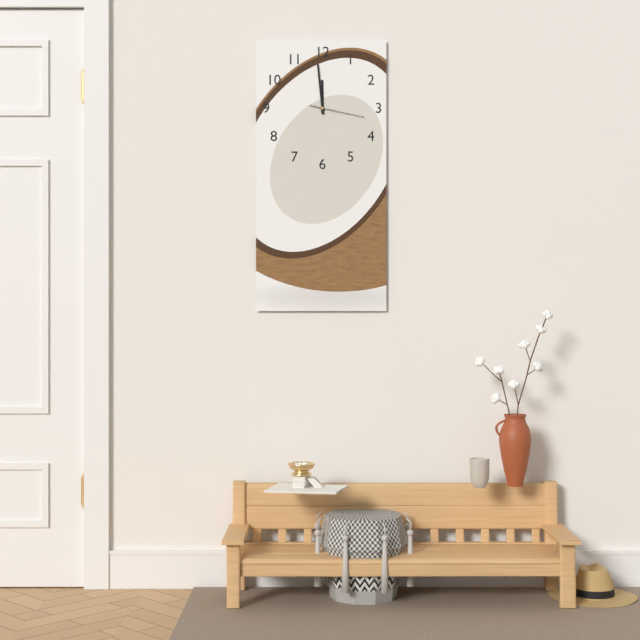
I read h=11 m=59 s=17
